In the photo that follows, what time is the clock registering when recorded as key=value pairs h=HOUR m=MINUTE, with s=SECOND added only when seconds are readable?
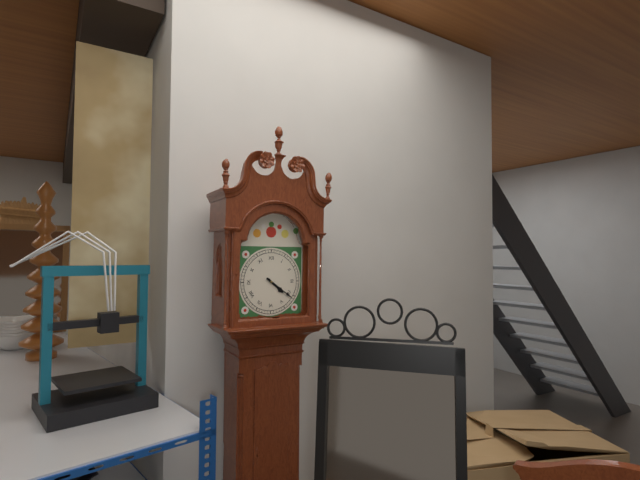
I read h=4 m=21
